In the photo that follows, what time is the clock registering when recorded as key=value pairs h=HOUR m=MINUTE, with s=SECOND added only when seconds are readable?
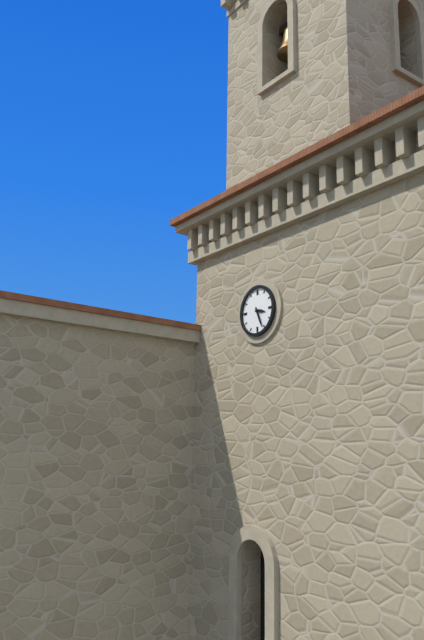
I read h=3 m=26
